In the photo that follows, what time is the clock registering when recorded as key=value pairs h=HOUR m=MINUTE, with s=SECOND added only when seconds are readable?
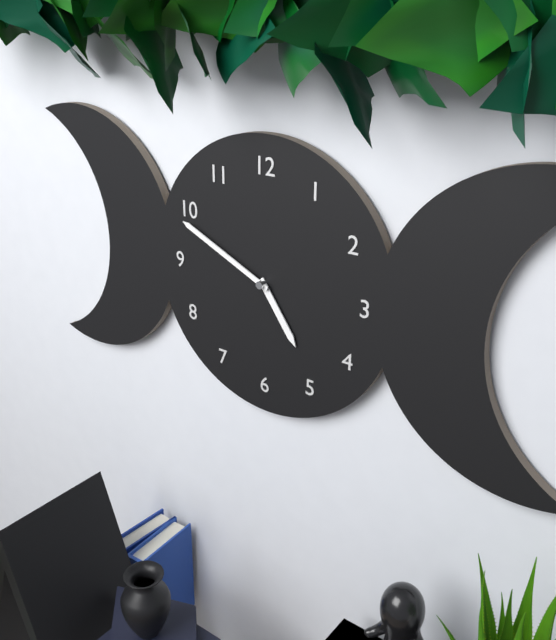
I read h=4 m=49
